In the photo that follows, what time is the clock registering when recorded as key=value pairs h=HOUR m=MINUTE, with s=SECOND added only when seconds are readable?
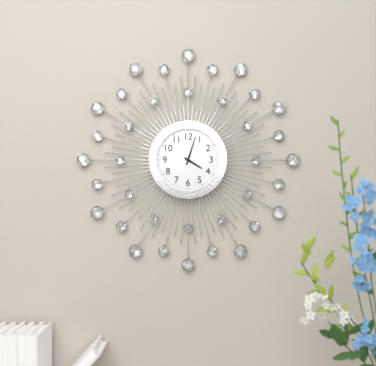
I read h=4 m=3
